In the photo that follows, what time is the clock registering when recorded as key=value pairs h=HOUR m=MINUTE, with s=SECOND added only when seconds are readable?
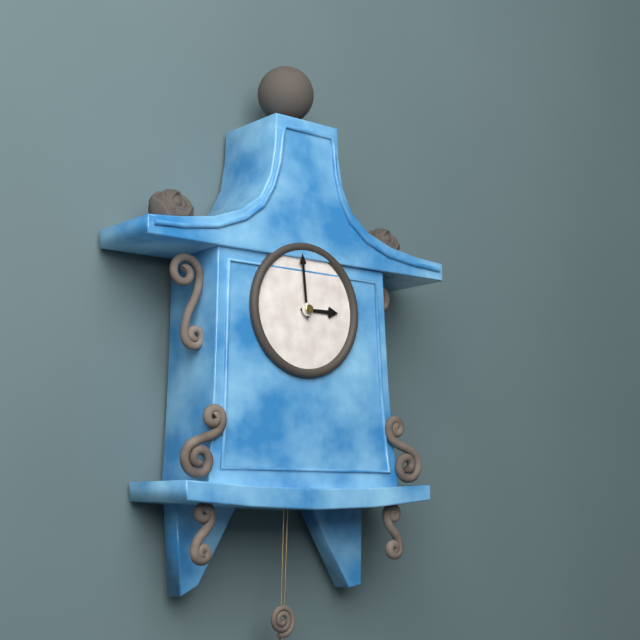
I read h=2 m=59
